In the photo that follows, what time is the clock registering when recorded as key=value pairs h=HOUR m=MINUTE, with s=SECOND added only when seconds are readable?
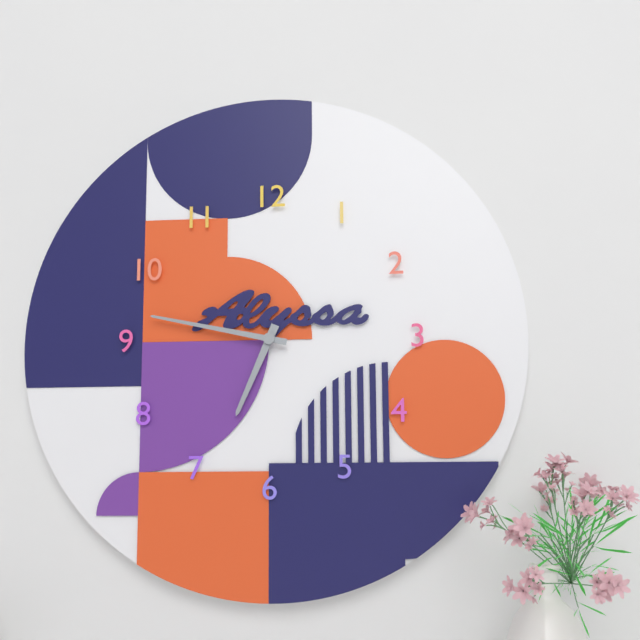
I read h=6 m=47
